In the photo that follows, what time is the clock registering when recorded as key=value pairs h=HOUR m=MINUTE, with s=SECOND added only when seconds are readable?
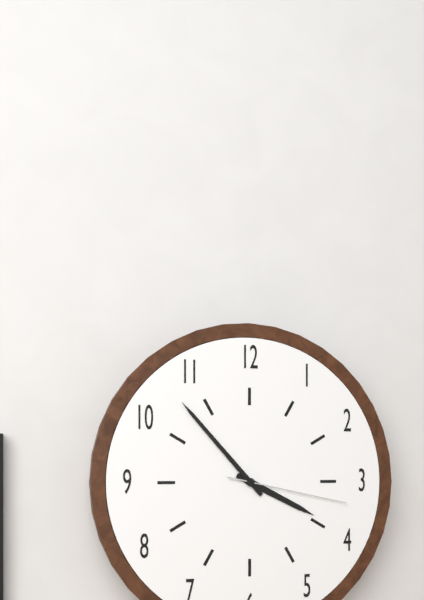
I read h=3 m=53 s=17
